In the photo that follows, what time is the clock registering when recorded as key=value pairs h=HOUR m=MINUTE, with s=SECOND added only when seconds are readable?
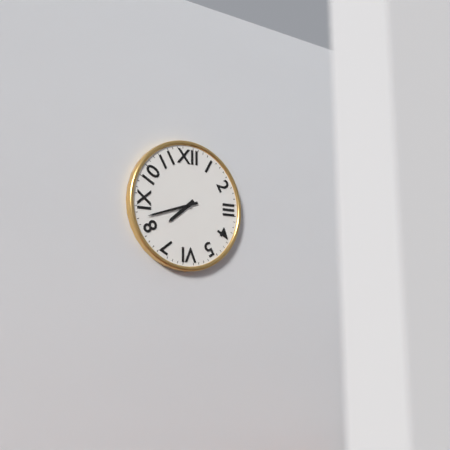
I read h=7 m=42
